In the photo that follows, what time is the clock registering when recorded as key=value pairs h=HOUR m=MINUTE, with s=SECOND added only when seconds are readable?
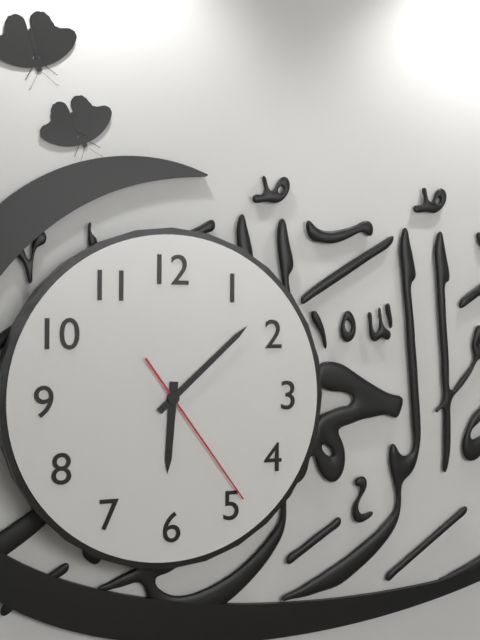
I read h=6 m=8 s=24
